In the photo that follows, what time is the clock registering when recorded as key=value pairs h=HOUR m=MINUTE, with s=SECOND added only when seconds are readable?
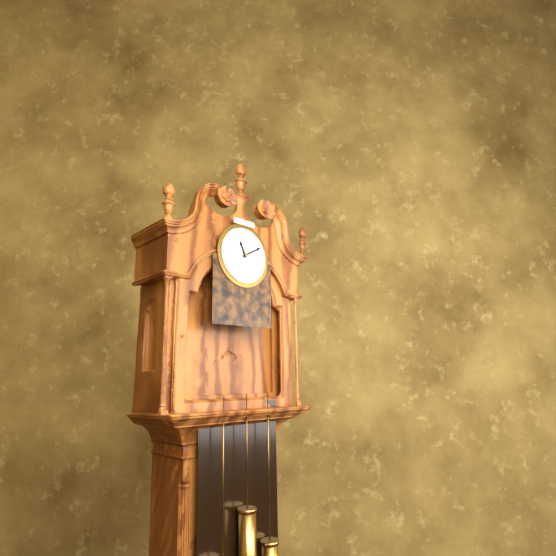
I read h=11 m=10
